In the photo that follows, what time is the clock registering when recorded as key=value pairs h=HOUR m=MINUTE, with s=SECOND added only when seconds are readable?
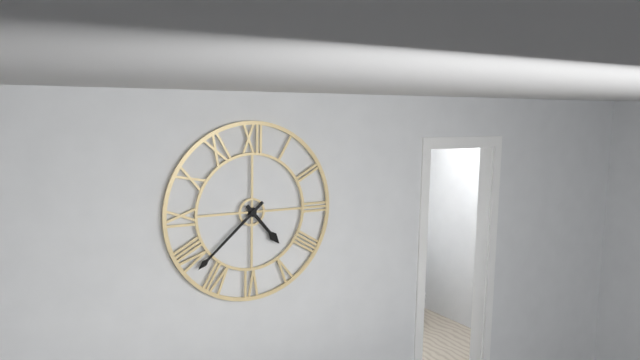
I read h=4 m=38
